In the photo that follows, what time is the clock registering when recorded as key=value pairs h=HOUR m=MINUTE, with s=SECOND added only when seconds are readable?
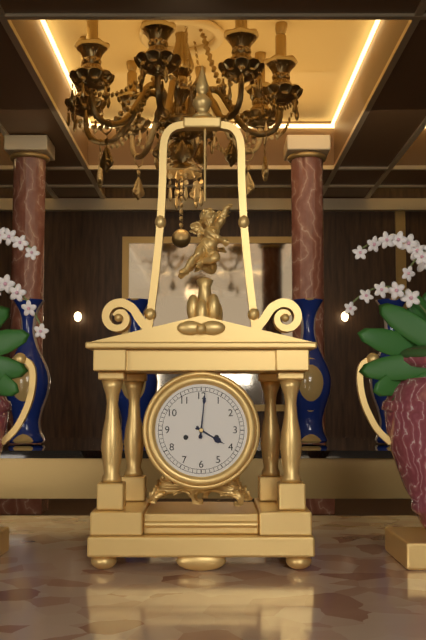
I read h=4 m=1
